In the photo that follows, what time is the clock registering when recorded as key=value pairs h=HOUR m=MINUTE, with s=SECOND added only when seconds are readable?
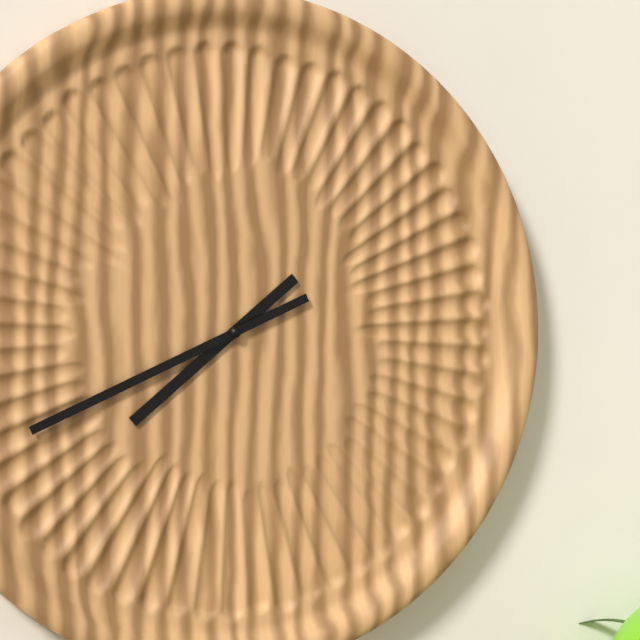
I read h=7 m=41
